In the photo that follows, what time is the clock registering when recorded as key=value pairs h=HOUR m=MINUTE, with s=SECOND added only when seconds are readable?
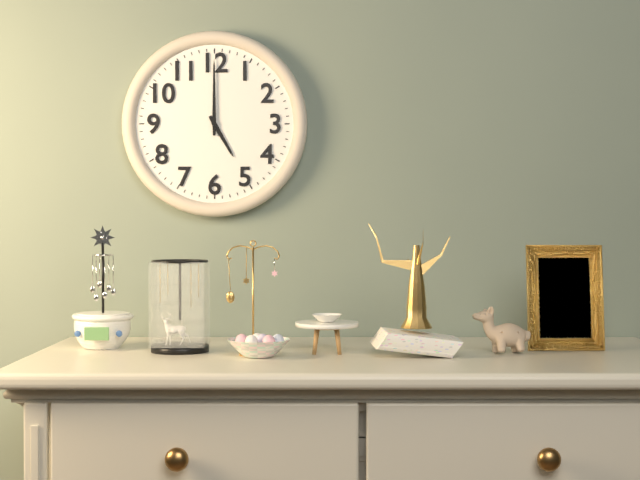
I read h=5 m=0
